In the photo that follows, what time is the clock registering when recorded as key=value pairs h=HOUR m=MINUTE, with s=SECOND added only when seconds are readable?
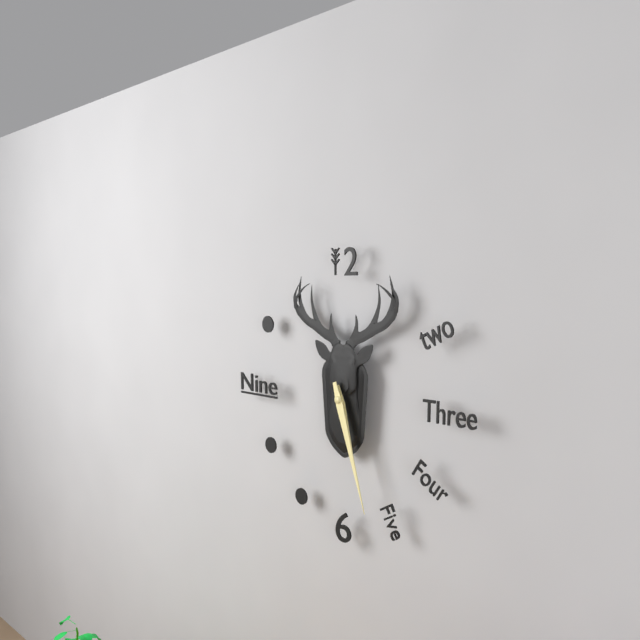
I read h=5 m=27
